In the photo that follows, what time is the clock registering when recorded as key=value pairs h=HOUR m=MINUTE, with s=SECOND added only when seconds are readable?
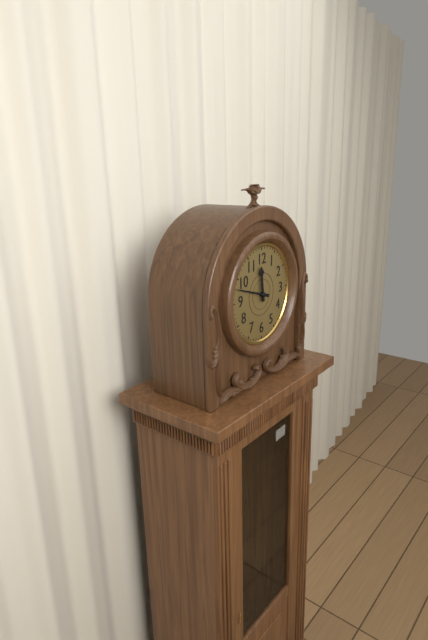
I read h=11 m=48
